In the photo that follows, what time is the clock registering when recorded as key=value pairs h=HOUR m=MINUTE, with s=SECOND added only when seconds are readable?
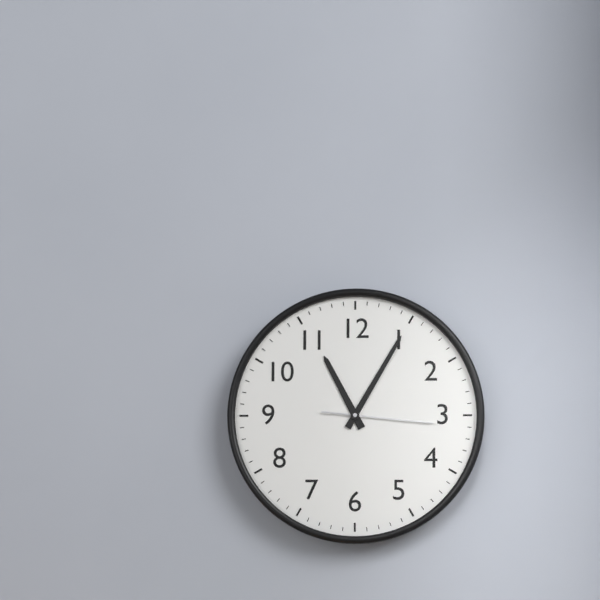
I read h=11 m=5 s=16
